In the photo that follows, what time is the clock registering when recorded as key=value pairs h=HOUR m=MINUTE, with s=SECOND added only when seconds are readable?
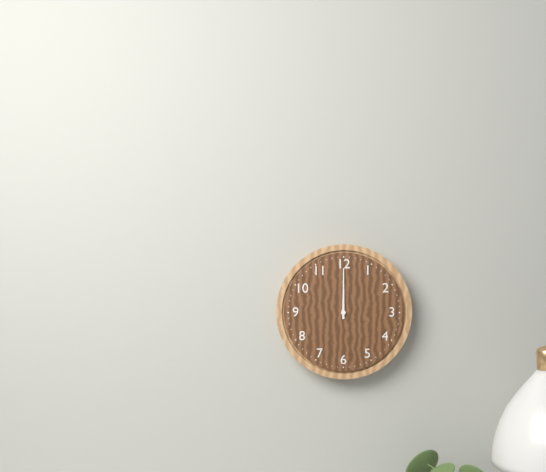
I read h=12 m=0
